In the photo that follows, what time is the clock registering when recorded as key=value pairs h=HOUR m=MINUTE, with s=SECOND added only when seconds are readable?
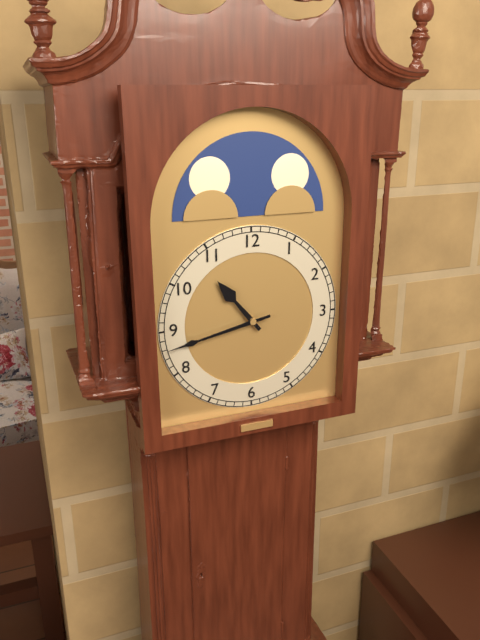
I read h=10 m=43
